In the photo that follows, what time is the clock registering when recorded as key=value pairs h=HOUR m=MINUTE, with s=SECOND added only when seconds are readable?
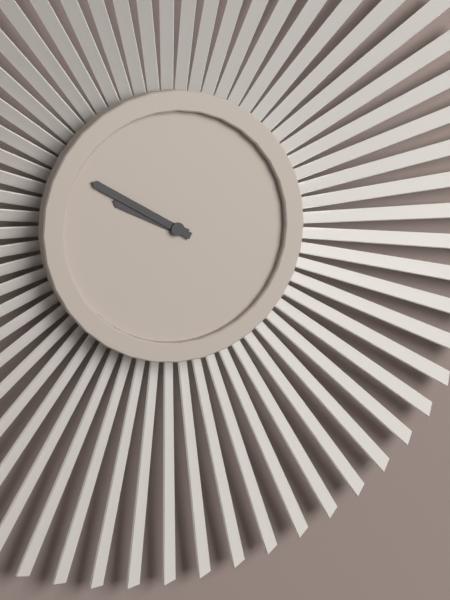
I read h=9 m=50
